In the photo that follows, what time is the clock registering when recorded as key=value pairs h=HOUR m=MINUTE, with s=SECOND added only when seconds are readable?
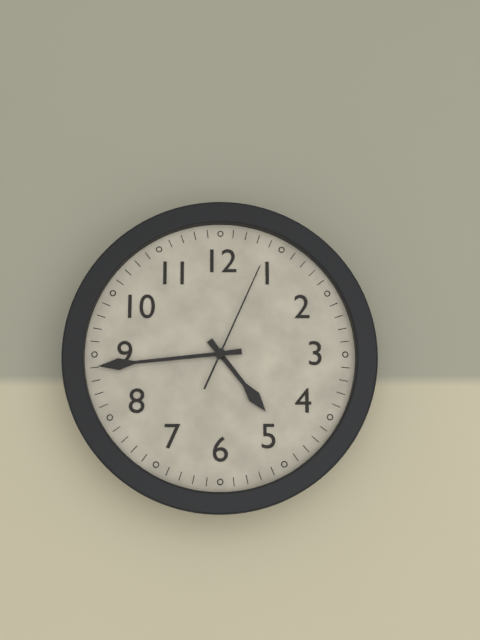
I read h=4 m=44 s=4
